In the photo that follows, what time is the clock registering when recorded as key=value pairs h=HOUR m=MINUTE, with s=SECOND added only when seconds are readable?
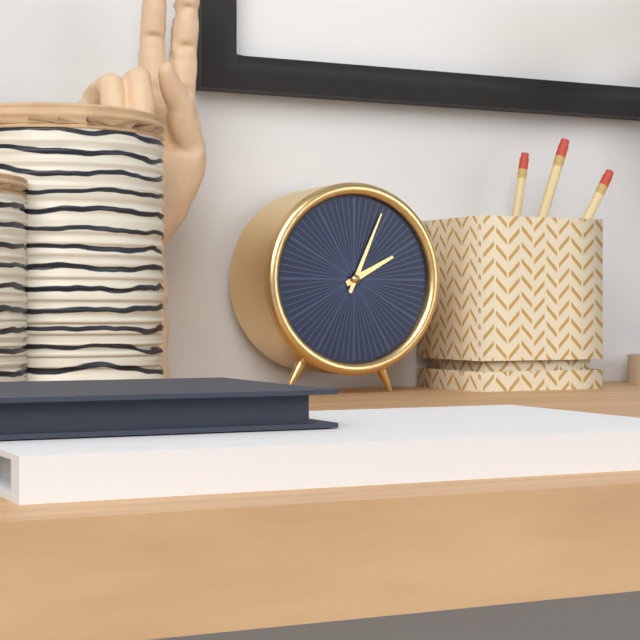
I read h=2 m=4
